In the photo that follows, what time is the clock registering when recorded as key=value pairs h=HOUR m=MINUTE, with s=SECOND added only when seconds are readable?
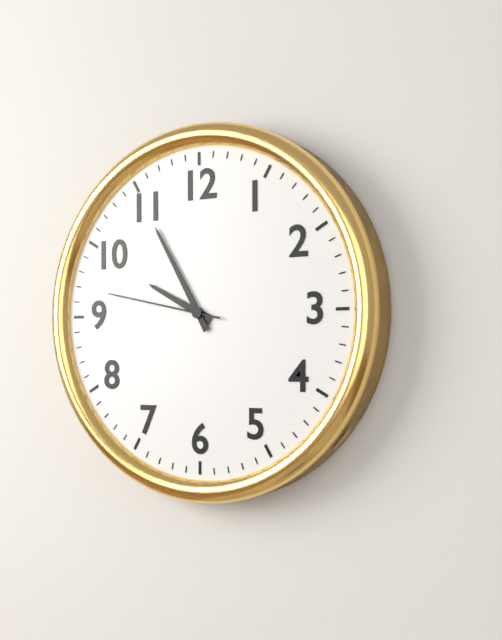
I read h=9 m=55 s=47
